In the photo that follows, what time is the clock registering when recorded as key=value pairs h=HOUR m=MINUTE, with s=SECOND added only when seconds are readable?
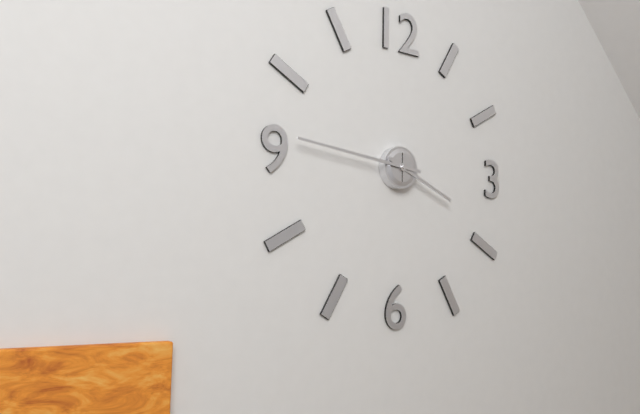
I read h=3 m=46
